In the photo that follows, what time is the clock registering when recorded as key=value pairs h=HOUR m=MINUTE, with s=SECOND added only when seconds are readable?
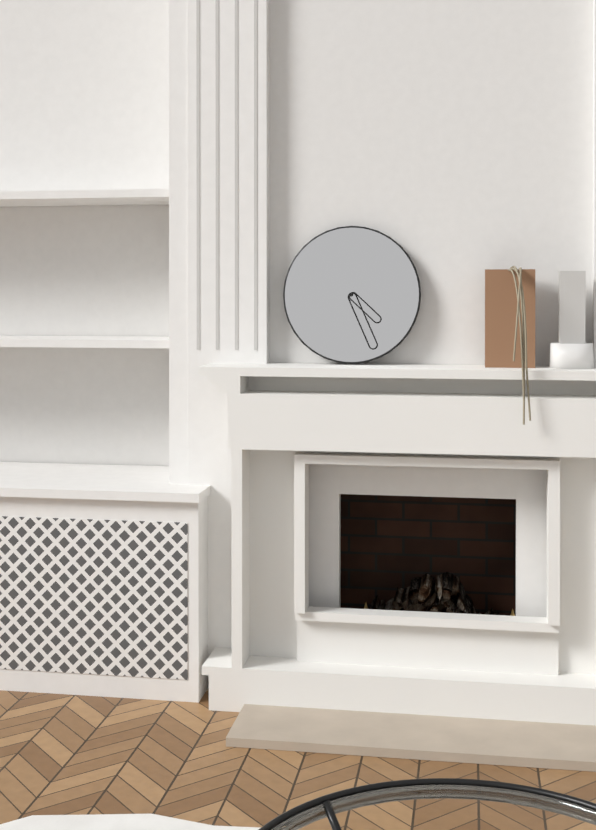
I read h=4 m=26
